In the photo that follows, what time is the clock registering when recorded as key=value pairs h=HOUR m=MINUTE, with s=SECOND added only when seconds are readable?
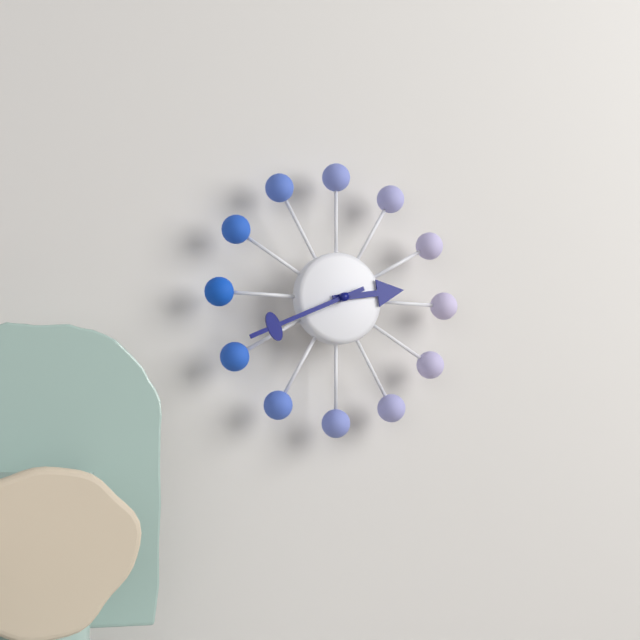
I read h=2 m=41
